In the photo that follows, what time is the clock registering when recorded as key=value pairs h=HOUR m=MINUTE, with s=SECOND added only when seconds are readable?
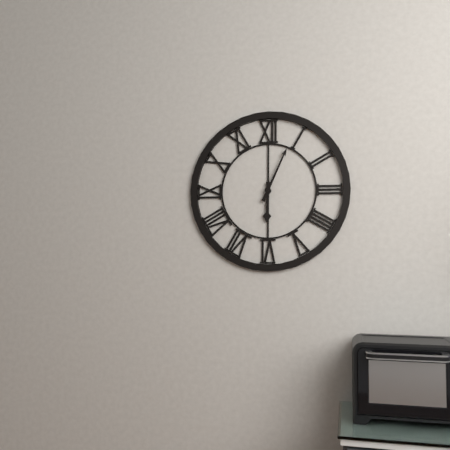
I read h=6 m=4
